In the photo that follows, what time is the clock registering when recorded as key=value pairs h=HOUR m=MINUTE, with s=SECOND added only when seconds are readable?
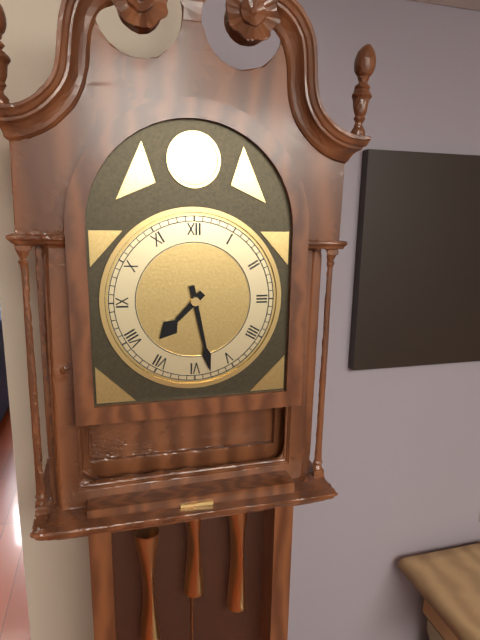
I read h=7 m=28
